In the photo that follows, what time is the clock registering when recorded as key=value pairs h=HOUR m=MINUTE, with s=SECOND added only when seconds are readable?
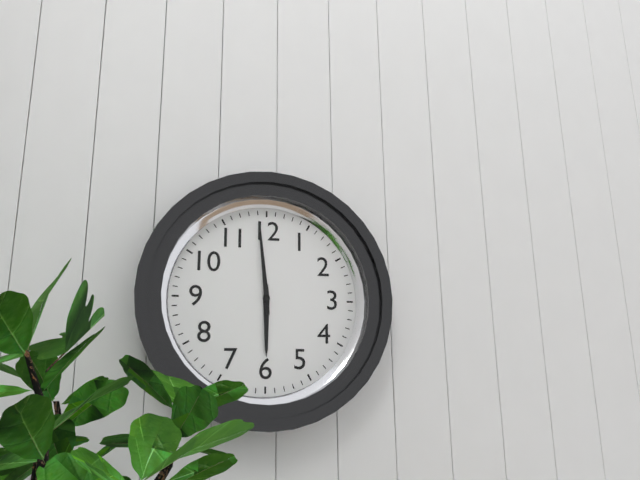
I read h=5 m=59
